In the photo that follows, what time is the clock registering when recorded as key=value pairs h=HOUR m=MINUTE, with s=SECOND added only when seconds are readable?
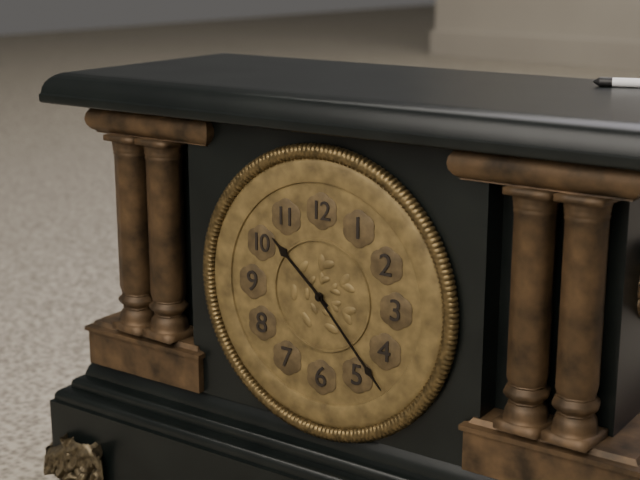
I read h=10 m=23
